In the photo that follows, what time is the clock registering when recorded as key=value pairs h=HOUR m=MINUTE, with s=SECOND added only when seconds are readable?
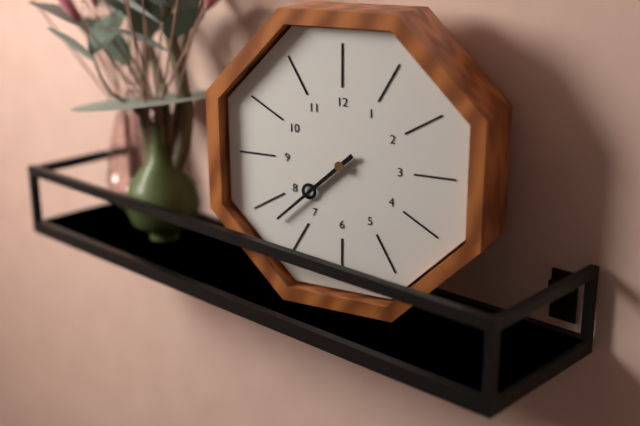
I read h=7 m=38
